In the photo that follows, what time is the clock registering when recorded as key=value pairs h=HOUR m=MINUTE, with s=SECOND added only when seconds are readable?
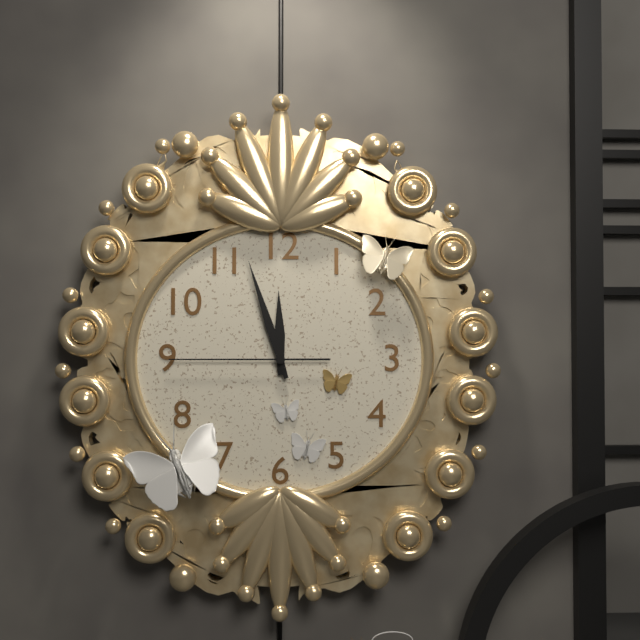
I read h=11 m=57 s=45
